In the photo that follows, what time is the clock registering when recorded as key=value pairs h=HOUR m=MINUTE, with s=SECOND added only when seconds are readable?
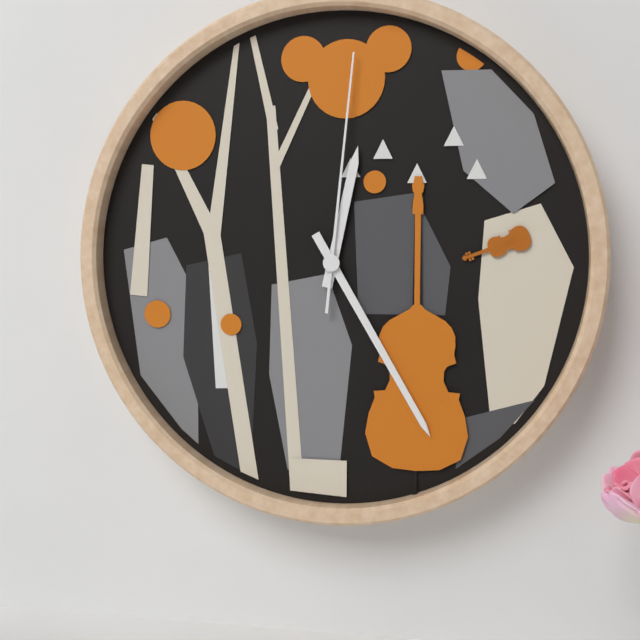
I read h=12 m=25 s=1
